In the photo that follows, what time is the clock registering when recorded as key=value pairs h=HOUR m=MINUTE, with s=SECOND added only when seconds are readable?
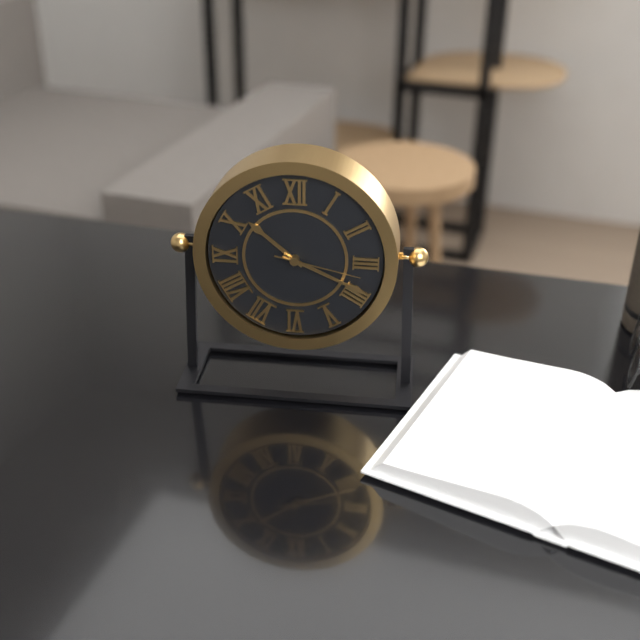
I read h=10 m=19 s=17
